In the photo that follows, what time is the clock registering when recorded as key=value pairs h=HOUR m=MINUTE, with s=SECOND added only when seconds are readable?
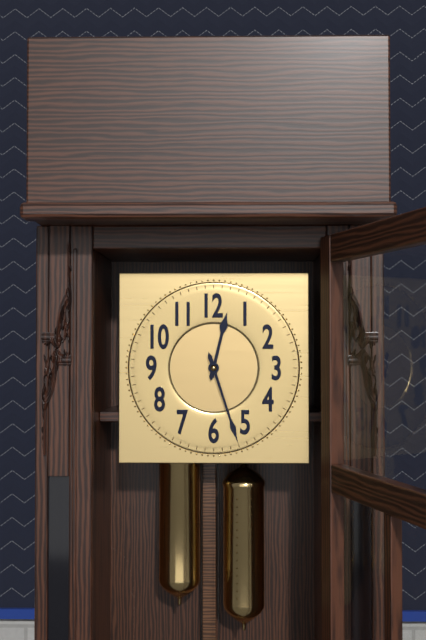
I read h=12 m=27
